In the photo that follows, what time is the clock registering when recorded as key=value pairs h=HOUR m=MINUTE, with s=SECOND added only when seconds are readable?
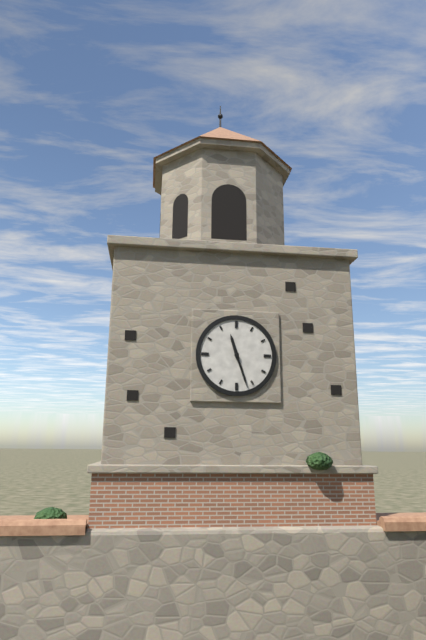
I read h=11 m=27
